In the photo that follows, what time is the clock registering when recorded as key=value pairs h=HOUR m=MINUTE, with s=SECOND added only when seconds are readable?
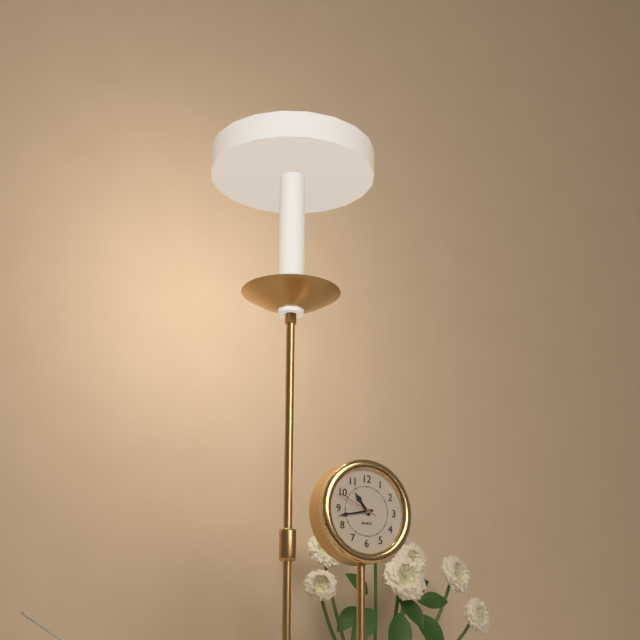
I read h=10 m=43
